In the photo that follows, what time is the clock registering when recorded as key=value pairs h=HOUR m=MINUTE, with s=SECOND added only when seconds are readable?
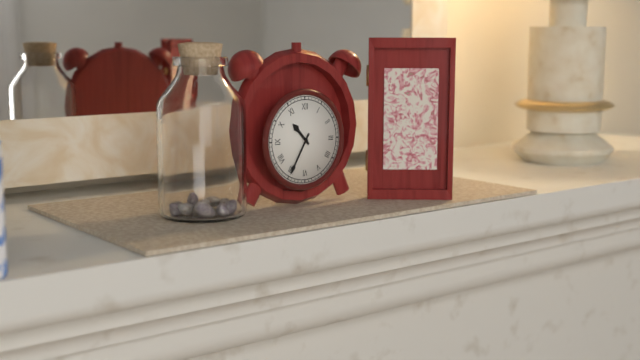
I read h=10 m=35
